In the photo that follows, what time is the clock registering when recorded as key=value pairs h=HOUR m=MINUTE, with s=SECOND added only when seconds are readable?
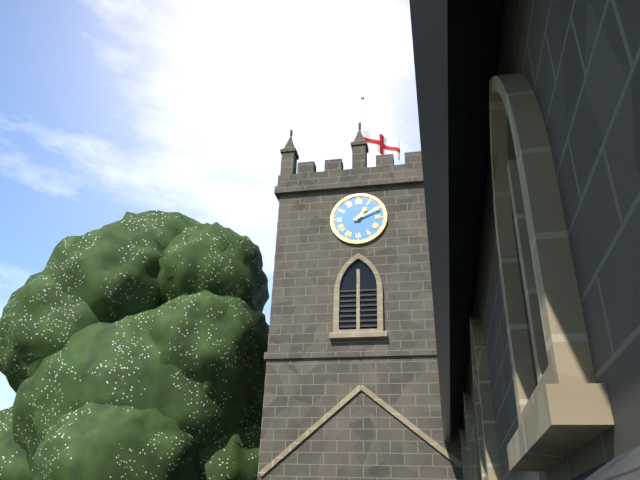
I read h=1 m=11
